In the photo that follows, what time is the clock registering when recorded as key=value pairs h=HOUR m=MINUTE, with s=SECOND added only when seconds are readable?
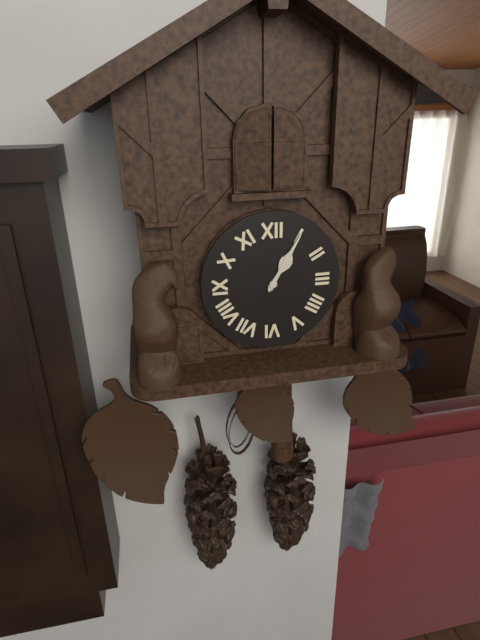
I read h=1 m=5
